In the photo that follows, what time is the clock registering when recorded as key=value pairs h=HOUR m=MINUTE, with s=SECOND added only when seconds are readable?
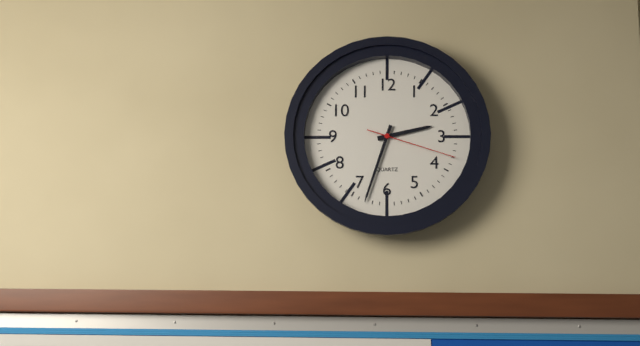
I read h=2 m=33 s=18
